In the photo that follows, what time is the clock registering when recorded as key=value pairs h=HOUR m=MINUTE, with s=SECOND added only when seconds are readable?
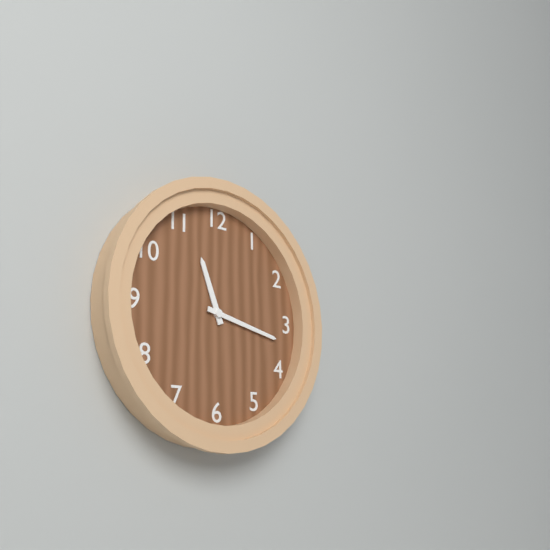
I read h=11 m=17
